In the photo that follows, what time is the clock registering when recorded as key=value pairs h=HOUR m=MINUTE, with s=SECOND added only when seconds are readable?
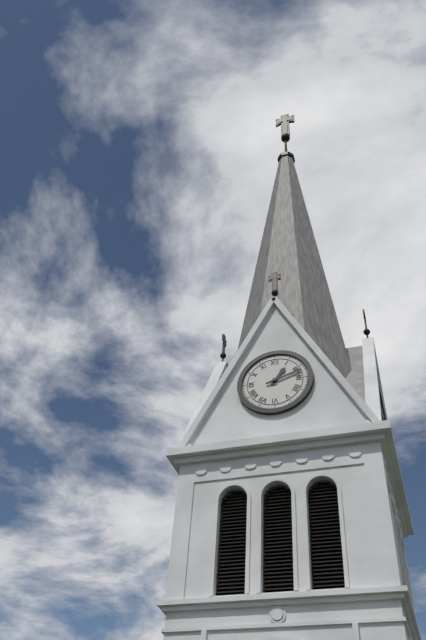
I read h=1 m=12
